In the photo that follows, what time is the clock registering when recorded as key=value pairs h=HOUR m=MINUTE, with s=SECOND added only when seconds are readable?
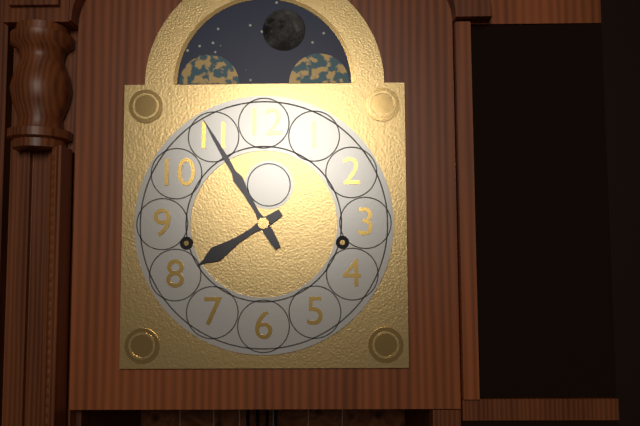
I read h=7 m=55
